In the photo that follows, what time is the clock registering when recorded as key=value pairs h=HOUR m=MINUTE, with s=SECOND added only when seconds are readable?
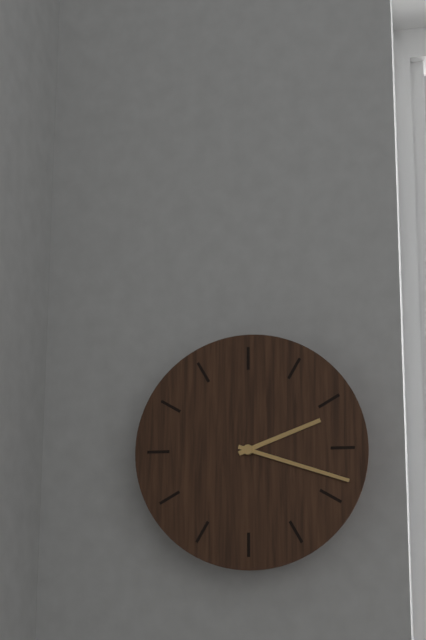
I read h=2 m=18
